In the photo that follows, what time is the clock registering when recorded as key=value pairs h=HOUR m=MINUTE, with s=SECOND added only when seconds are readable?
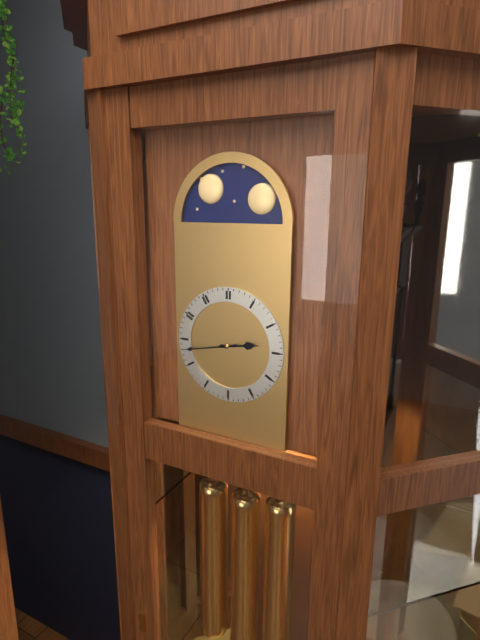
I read h=2 m=43
